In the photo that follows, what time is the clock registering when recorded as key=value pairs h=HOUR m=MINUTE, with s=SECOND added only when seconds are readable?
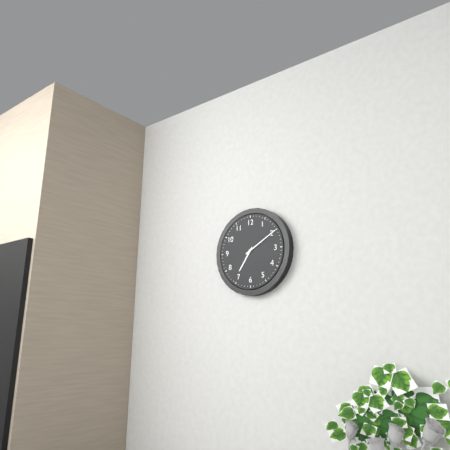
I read h=7 m=10
